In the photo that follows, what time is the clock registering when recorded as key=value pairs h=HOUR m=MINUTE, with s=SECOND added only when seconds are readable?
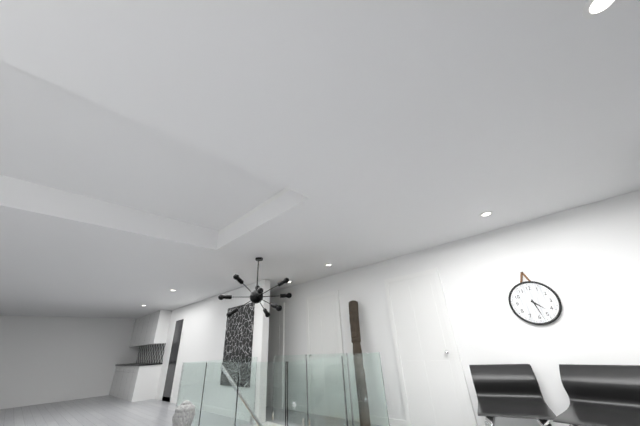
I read h=4 m=28
